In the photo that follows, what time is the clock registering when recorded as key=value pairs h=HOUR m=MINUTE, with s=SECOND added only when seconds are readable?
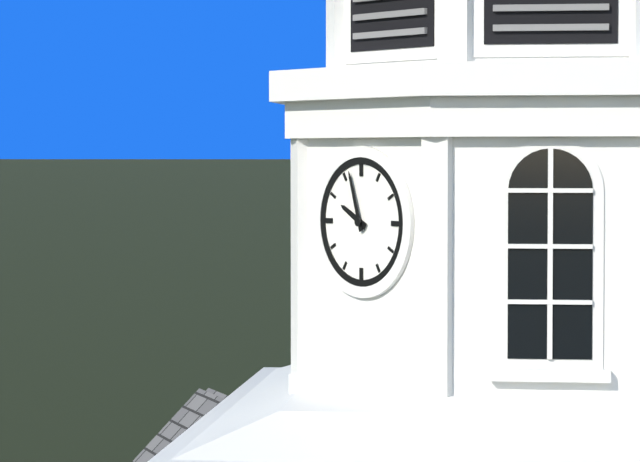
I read h=9 m=57
